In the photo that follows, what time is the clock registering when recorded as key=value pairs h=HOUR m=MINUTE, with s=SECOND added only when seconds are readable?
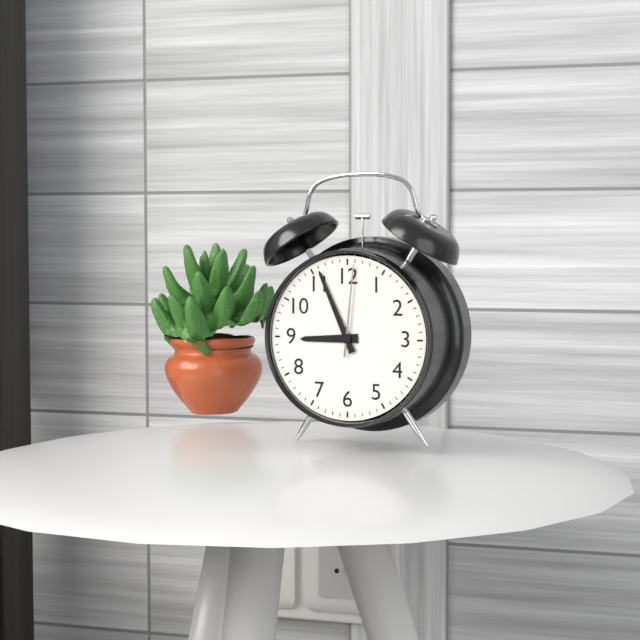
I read h=8 m=56 s=1
